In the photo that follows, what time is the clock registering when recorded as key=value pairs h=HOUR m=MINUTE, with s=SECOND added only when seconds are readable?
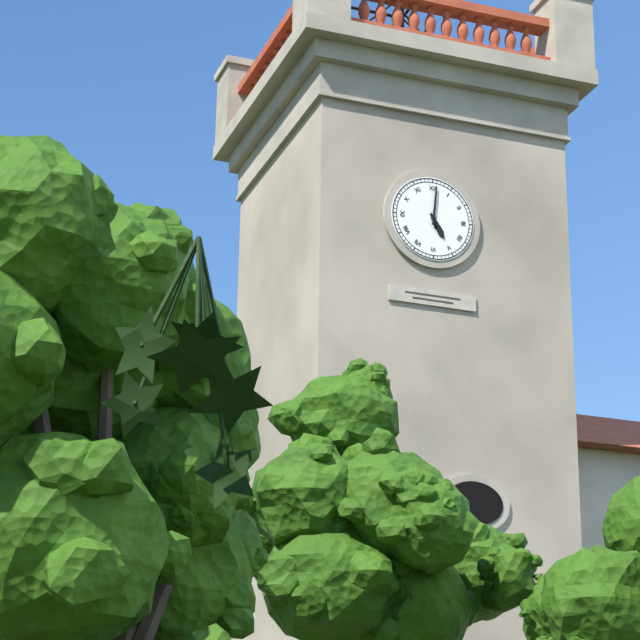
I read h=5 m=1
